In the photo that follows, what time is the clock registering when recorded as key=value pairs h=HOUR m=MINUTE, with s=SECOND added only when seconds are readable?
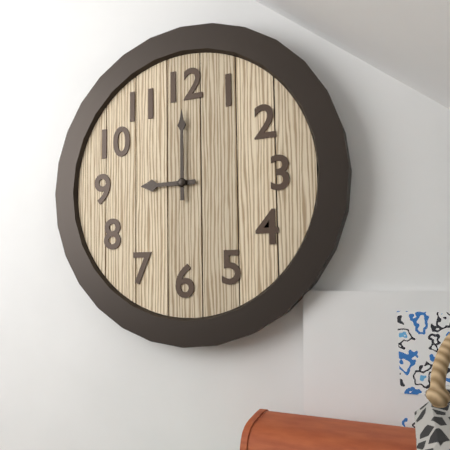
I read h=9 m=0
